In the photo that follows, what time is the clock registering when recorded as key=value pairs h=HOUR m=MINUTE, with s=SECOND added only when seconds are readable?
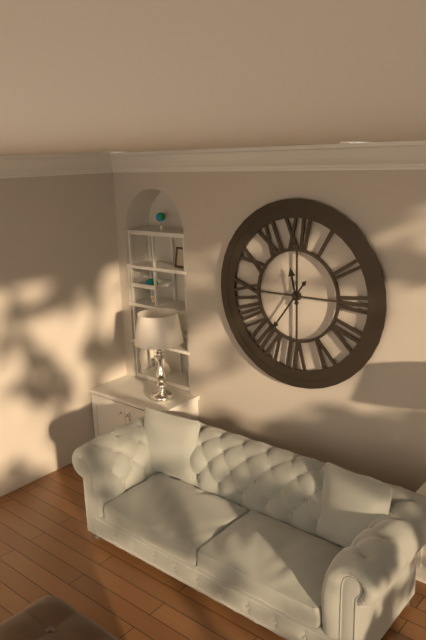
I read h=11 m=36
